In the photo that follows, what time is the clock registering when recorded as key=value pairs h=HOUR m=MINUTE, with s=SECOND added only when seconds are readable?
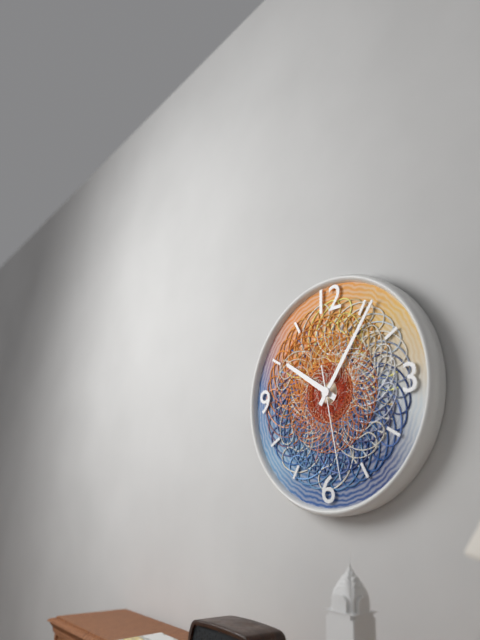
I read h=10 m=6 s=28
